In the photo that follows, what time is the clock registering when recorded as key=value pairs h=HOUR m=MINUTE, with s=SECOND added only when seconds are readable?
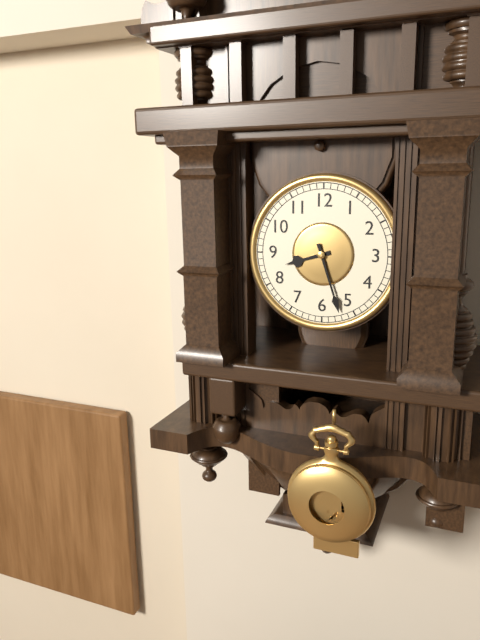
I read h=8 m=27
